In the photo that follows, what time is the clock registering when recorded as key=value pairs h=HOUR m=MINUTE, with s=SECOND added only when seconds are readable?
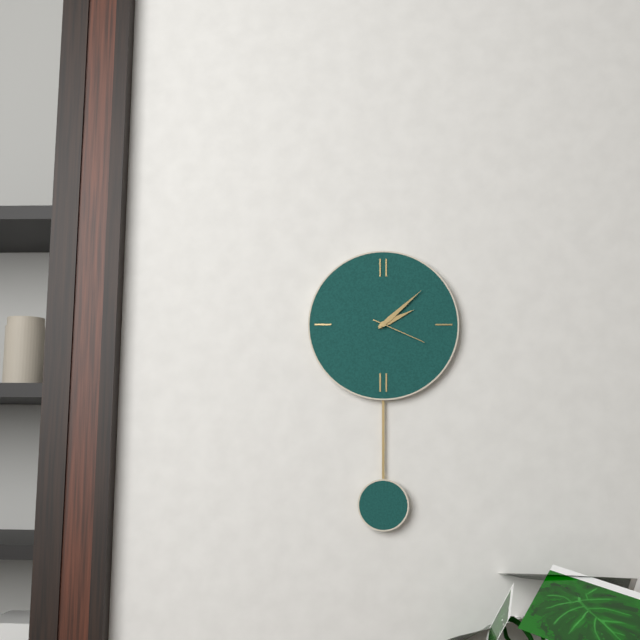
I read h=2 m=8 s=19
